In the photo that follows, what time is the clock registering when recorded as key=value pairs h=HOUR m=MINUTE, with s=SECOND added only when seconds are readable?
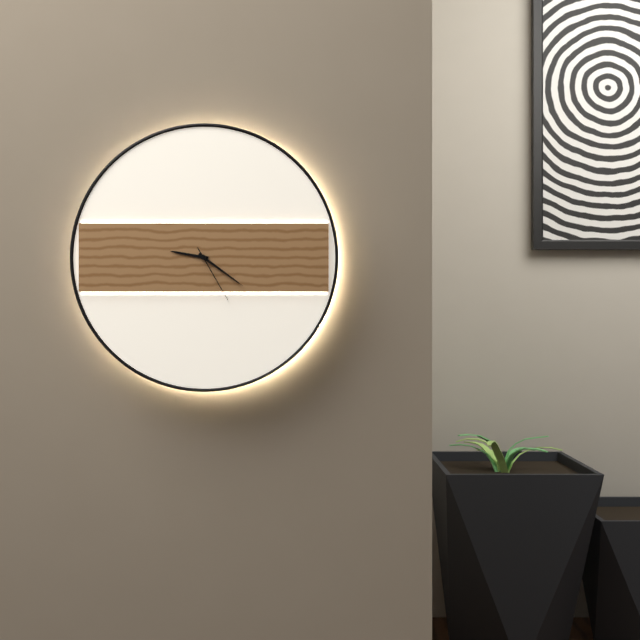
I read h=9 m=21 s=25
